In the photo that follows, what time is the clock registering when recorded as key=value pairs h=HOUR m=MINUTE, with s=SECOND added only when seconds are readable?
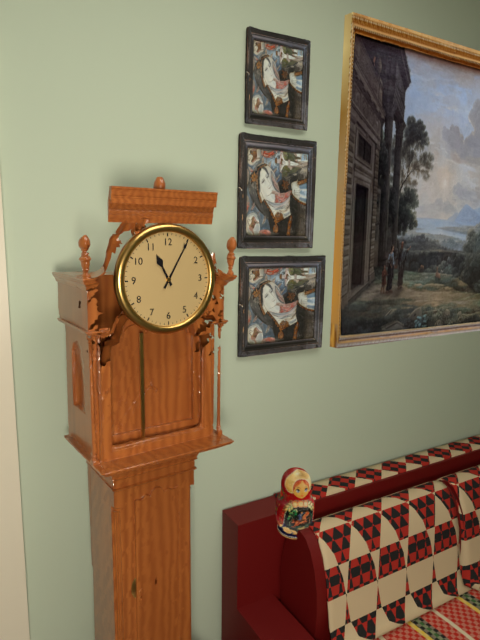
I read h=11 m=5
